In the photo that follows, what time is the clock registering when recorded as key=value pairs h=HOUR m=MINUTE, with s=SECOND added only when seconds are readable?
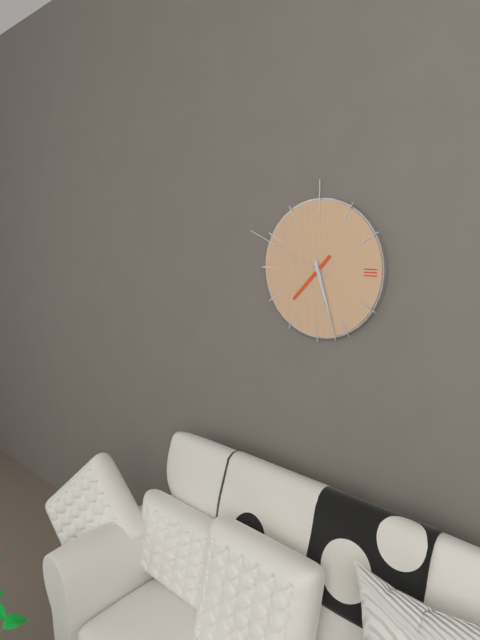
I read h=7 m=27 s=49
